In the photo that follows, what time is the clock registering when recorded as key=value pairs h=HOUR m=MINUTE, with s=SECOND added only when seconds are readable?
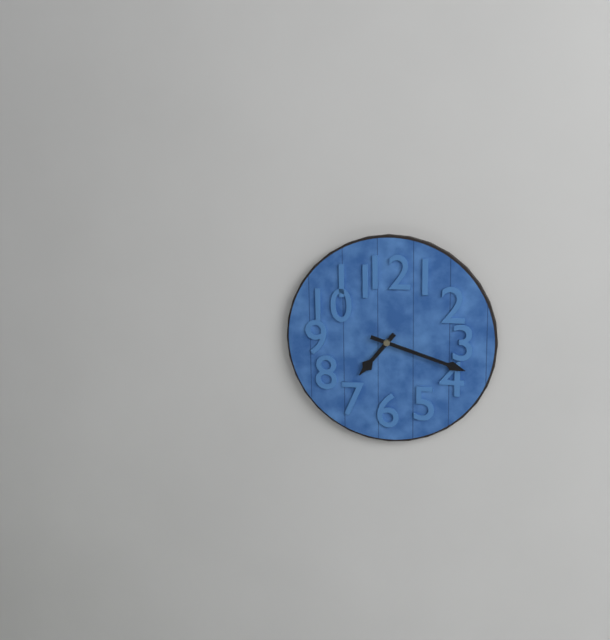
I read h=7 m=18
